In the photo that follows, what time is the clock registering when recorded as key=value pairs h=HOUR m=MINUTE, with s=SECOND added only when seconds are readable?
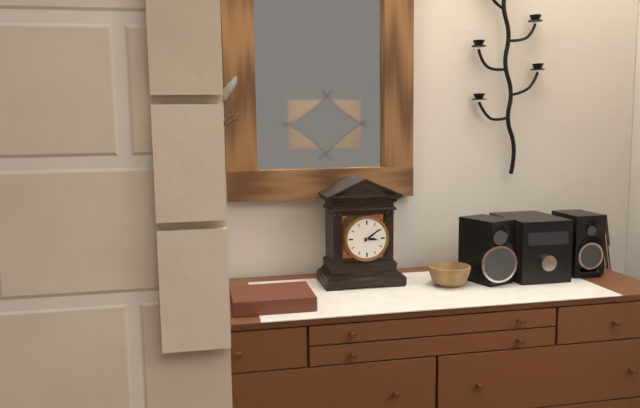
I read h=3 m=9
